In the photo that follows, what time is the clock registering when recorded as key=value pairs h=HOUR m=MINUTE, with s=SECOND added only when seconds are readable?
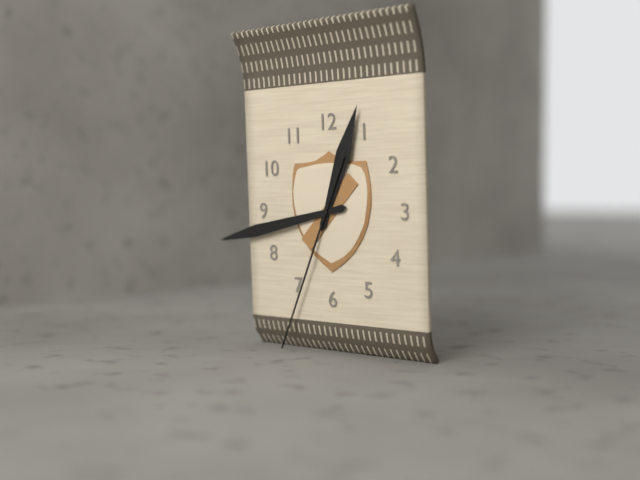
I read h=12 m=43 s=34
